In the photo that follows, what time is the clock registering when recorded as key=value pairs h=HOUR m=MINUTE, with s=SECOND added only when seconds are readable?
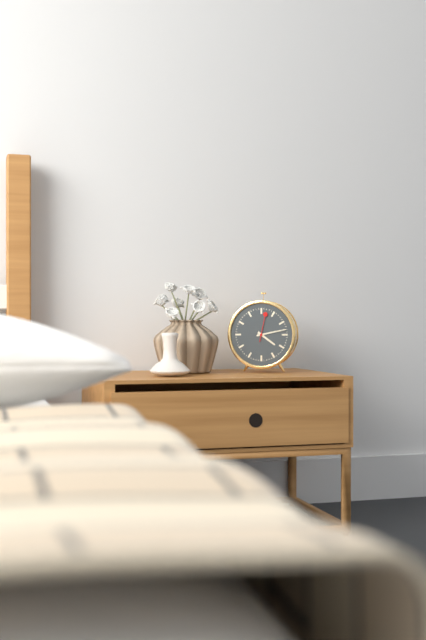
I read h=4 m=13
